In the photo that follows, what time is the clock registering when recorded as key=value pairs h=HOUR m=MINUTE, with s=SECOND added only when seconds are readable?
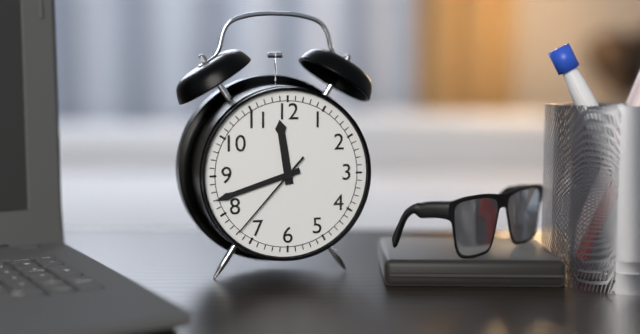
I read h=11 m=42 s=37
